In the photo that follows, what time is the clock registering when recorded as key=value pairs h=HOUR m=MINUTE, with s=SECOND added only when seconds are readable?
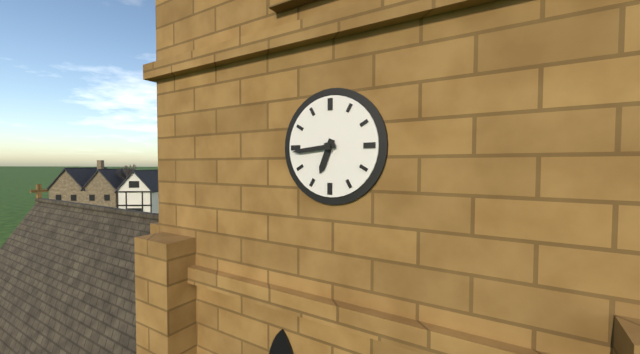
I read h=6 m=44
